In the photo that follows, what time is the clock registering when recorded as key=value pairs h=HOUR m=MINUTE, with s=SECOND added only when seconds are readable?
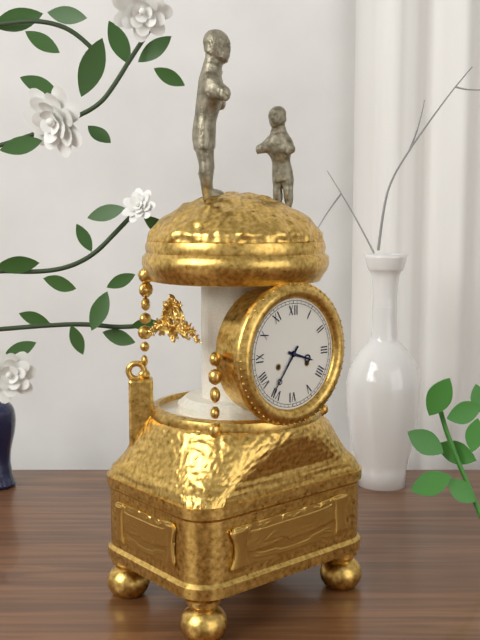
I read h=3 m=36
